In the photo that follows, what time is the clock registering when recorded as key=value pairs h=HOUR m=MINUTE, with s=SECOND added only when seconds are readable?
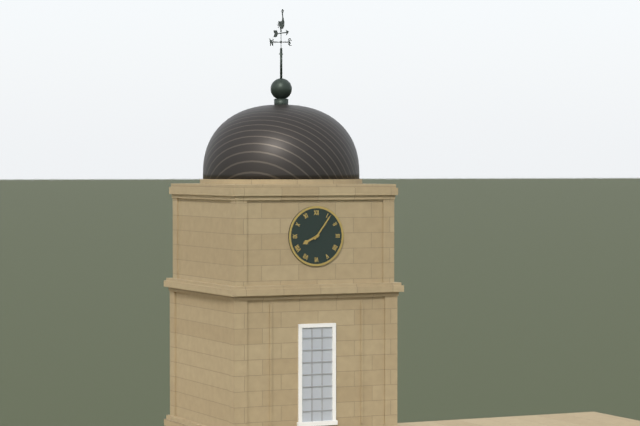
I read h=8 m=6
